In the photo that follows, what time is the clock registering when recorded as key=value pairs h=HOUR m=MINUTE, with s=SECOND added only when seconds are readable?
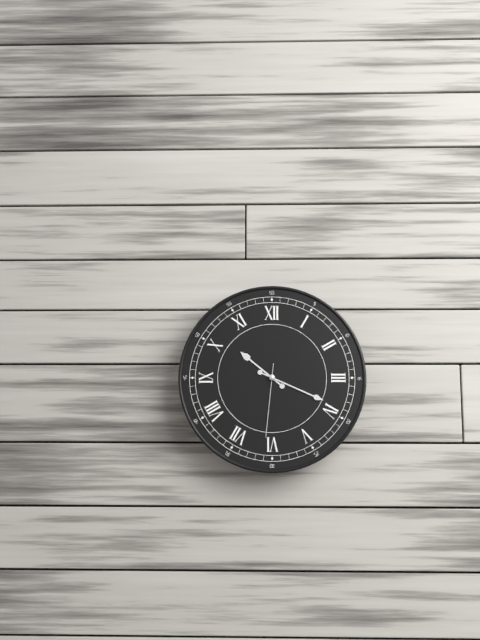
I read h=10 m=19 s=31
